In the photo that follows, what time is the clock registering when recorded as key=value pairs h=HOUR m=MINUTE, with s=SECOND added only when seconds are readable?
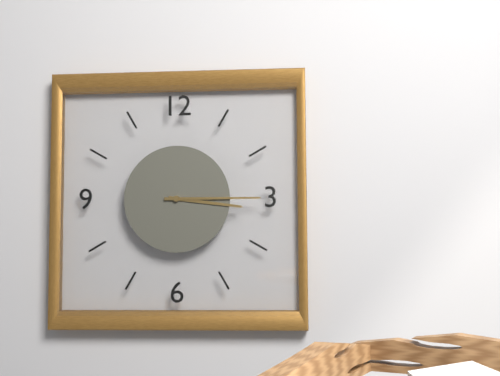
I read h=3 m=15
